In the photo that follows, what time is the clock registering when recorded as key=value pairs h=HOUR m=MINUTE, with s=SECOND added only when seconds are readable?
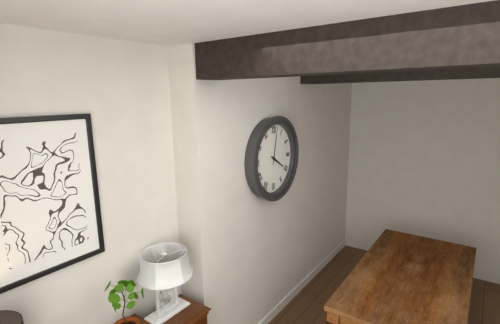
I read h=4 m=2
